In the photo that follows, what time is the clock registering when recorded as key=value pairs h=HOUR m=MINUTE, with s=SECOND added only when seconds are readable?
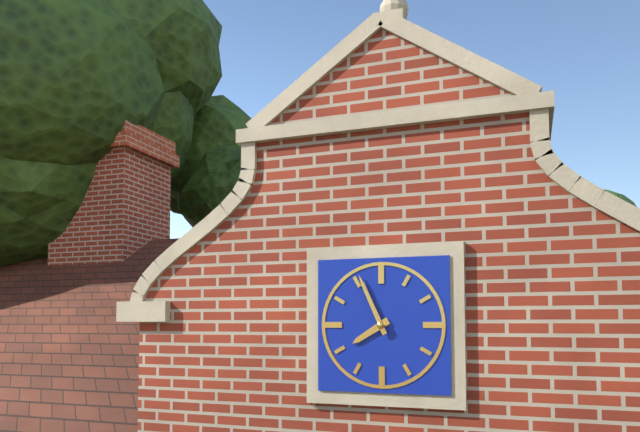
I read h=7 m=56
